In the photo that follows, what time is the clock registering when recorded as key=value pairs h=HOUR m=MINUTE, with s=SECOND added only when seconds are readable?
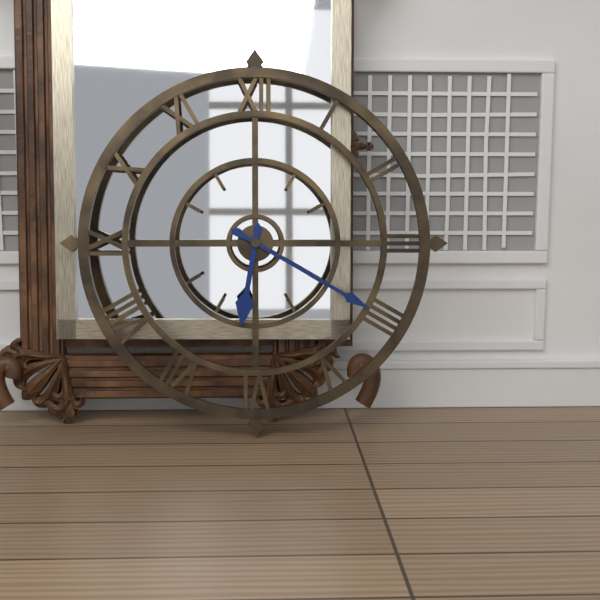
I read h=6 m=20
